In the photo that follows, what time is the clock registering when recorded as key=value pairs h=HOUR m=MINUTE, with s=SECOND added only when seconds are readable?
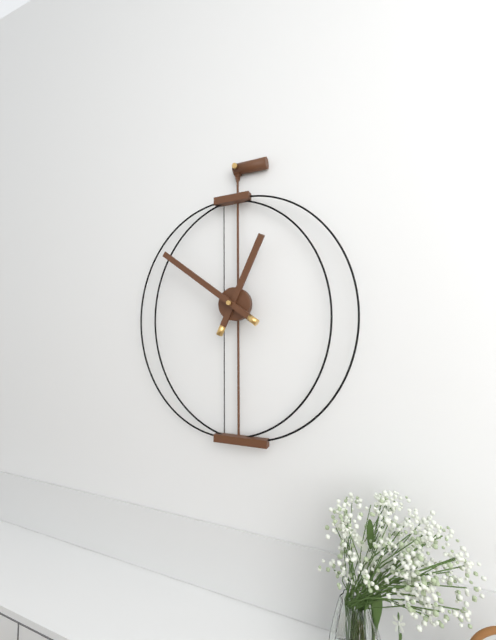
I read h=12 m=51
